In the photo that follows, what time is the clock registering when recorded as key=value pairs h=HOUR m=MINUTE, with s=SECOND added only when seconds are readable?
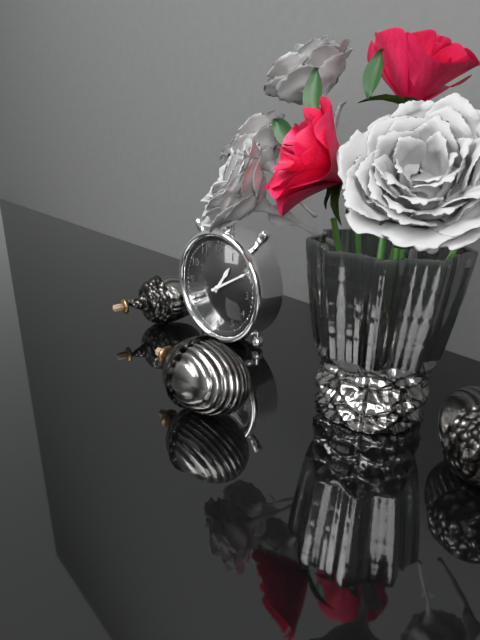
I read h=1 m=10
